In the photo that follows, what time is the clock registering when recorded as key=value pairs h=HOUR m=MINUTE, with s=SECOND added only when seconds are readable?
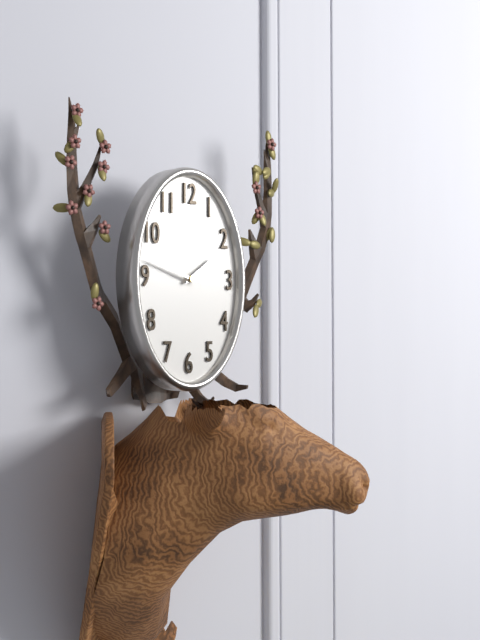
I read h=1 m=48
